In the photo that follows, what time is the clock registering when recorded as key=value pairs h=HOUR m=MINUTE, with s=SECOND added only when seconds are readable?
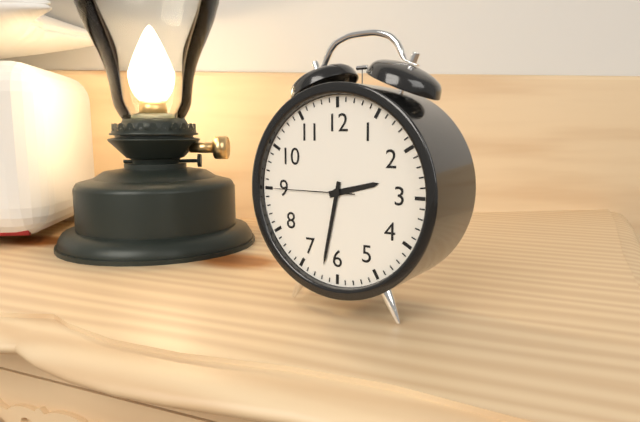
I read h=2 m=32 s=45
